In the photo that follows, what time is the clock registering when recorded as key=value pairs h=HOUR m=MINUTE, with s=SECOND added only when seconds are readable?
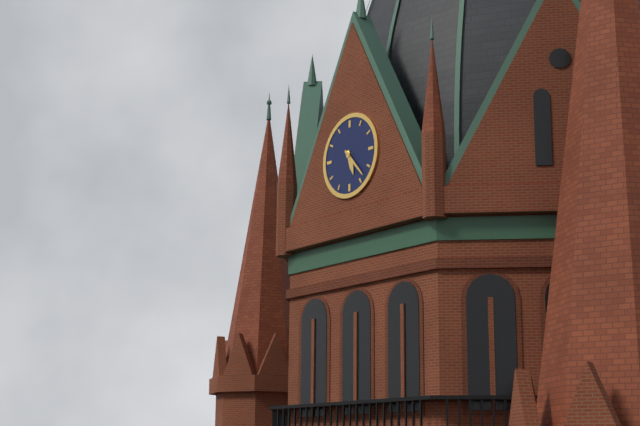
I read h=5 m=23
